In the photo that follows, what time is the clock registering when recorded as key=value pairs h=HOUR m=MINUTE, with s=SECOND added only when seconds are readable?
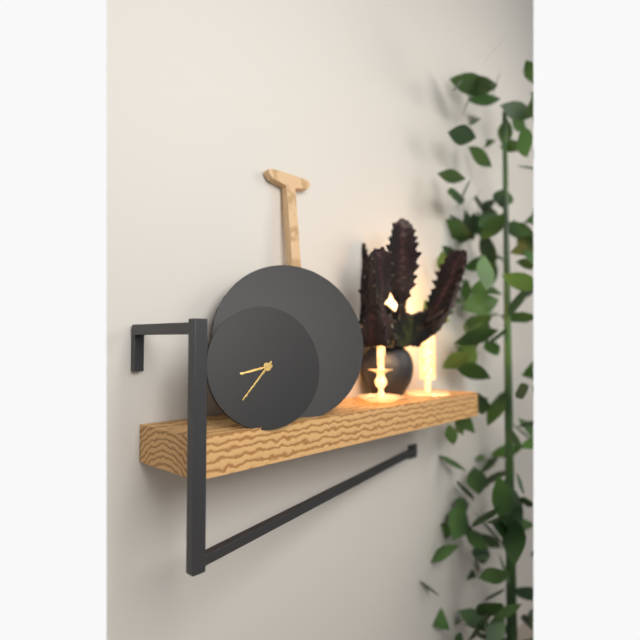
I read h=8 m=37
